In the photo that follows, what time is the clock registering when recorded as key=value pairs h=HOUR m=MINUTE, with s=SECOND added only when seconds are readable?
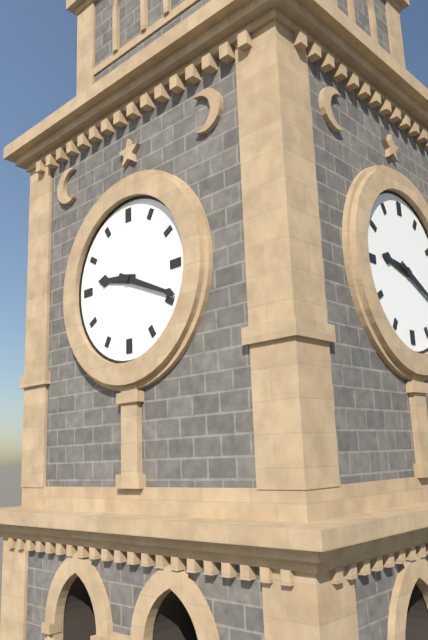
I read h=9 m=19
